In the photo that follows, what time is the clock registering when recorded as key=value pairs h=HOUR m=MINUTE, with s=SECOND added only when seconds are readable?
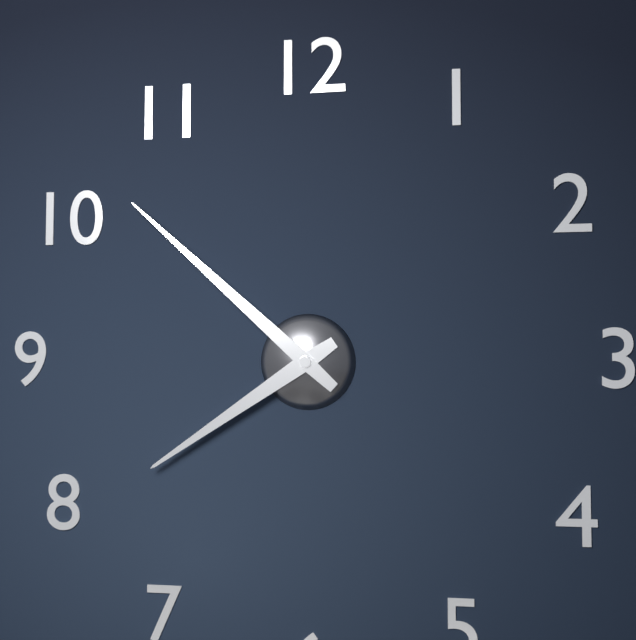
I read h=7 m=52
